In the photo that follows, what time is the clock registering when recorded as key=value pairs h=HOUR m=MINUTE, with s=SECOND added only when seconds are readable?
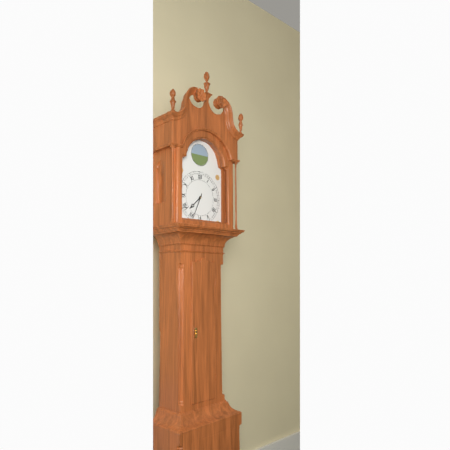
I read h=7 m=34
